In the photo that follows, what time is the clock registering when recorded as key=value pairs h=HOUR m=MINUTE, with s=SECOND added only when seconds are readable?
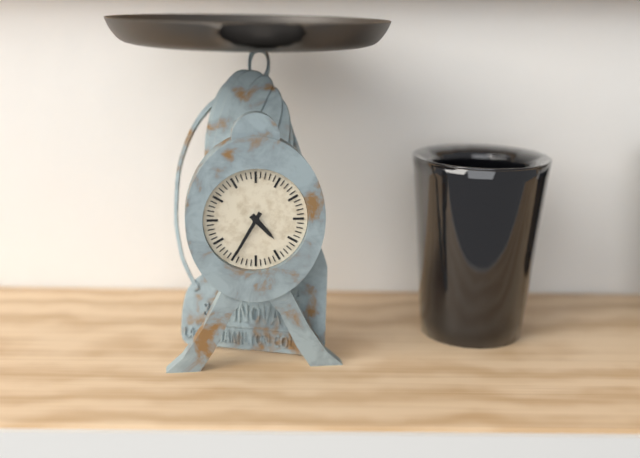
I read h=4 m=35
